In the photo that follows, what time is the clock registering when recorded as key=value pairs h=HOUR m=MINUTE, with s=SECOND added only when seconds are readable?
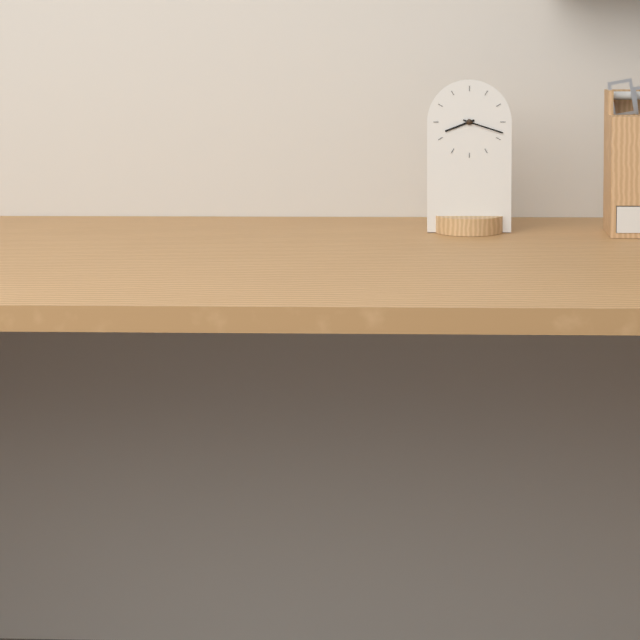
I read h=8 m=18
